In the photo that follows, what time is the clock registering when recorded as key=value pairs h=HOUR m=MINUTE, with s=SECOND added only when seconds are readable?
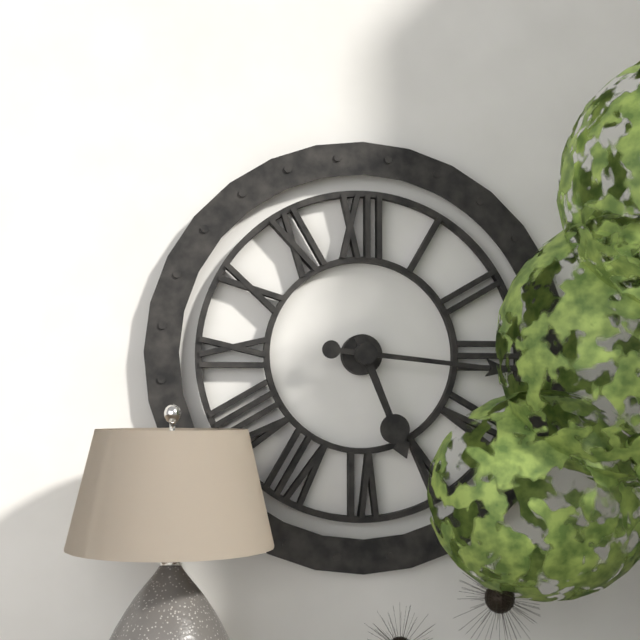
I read h=5 m=16
